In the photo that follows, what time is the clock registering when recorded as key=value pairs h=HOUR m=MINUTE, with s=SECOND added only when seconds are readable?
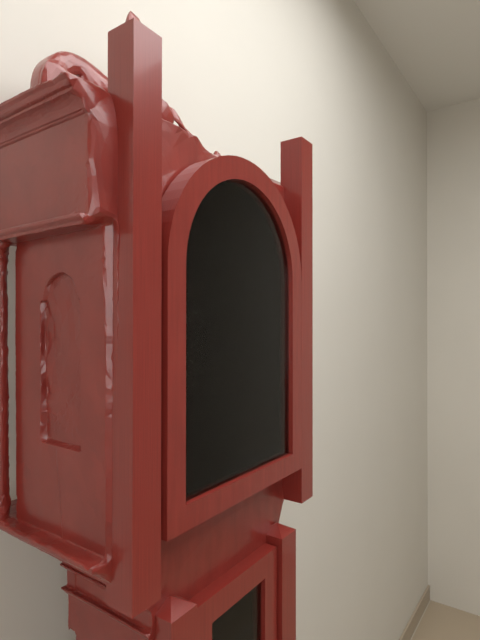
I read h=3 m=44
